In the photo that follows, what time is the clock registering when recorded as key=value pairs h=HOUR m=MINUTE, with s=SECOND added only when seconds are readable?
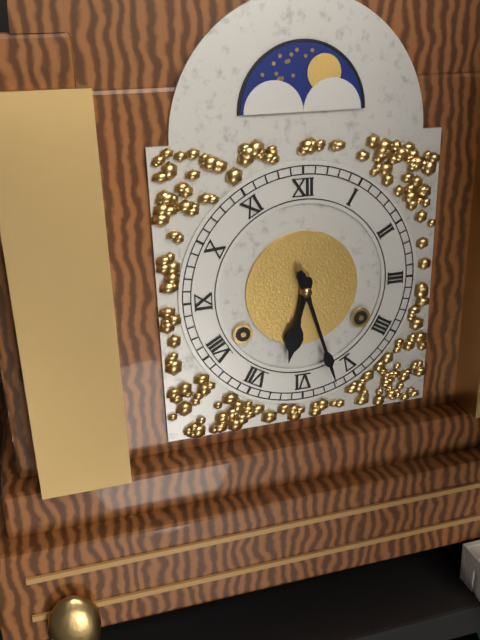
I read h=6 m=27
